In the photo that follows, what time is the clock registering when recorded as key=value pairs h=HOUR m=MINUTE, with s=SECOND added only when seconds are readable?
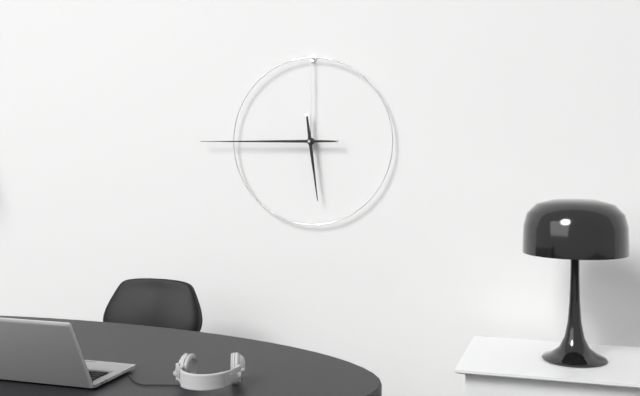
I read h=5 m=45
